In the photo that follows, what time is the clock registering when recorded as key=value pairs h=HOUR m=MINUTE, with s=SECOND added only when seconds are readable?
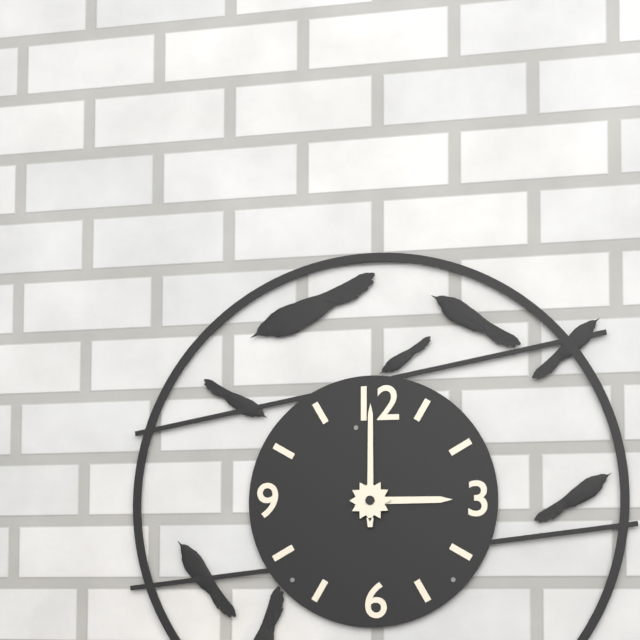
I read h=3 m=0
